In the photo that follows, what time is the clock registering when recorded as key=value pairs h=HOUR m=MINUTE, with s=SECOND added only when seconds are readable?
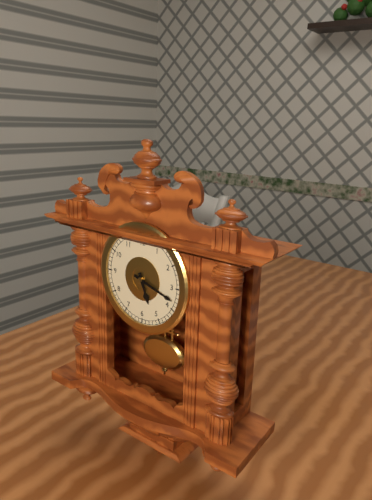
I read h=5 m=18
